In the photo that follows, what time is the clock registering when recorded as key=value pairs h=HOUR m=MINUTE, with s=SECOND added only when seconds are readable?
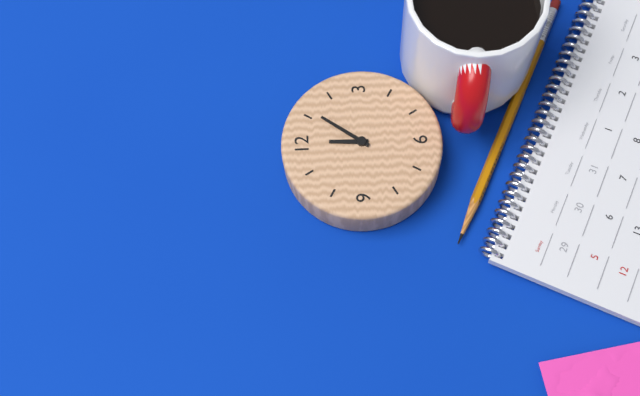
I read h=12 m=6
